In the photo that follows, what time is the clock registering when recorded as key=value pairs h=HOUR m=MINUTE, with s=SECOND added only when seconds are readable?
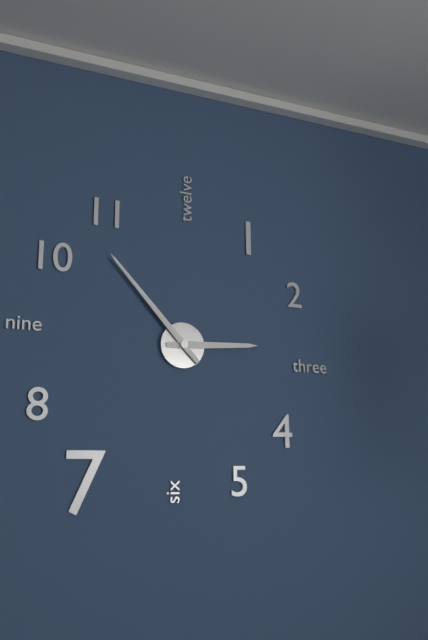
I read h=2 m=53
